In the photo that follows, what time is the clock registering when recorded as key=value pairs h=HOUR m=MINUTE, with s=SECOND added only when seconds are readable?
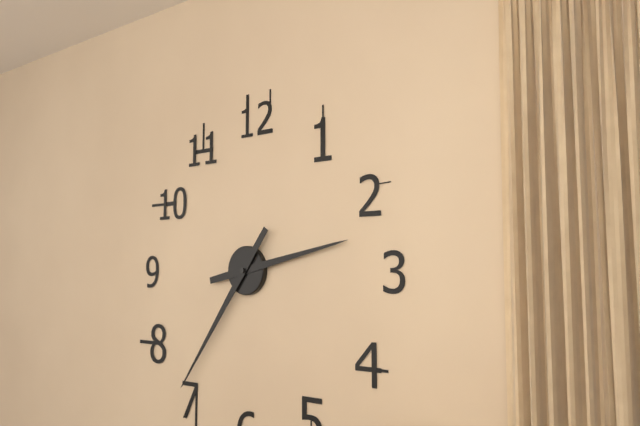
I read h=2 m=36
